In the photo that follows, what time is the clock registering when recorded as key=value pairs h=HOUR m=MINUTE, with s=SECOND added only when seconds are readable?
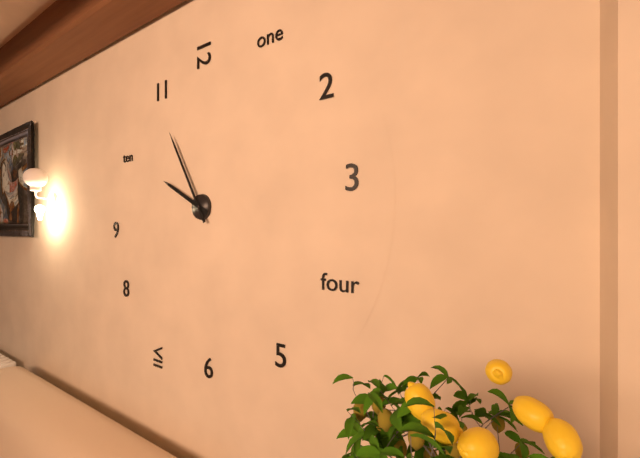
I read h=9 m=55
